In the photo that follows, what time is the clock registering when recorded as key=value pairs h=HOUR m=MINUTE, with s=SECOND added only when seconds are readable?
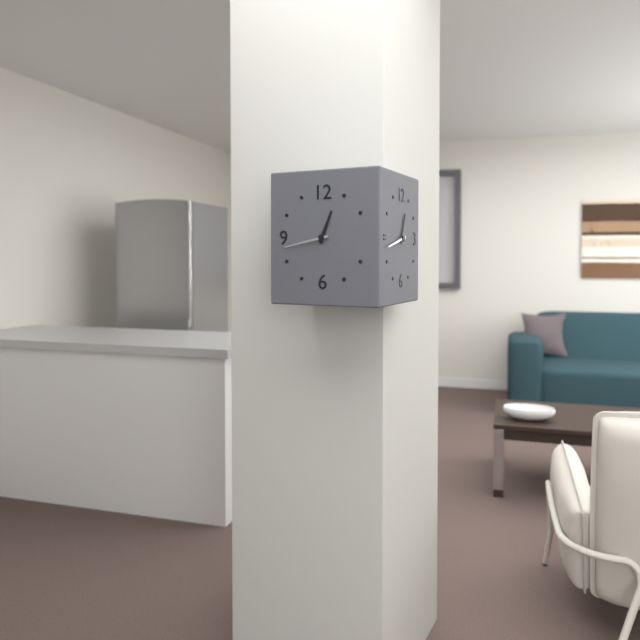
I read h=12 m=43
